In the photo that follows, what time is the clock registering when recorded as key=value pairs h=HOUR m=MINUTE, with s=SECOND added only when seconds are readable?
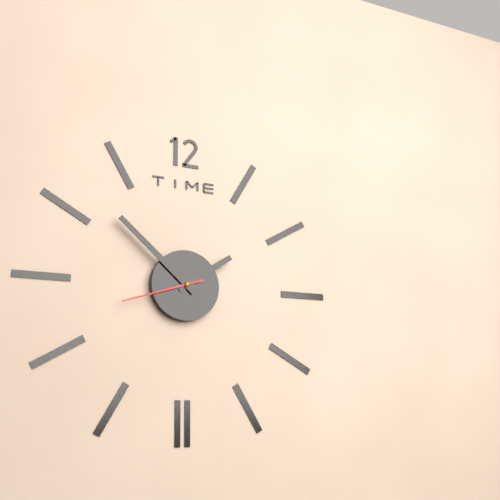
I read h=1 m=52 s=42
